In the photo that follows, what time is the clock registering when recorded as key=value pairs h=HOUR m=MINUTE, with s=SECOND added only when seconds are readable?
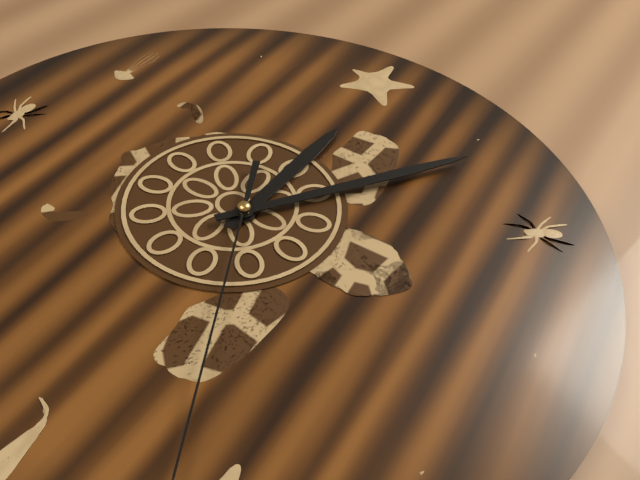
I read h=12 m=6
